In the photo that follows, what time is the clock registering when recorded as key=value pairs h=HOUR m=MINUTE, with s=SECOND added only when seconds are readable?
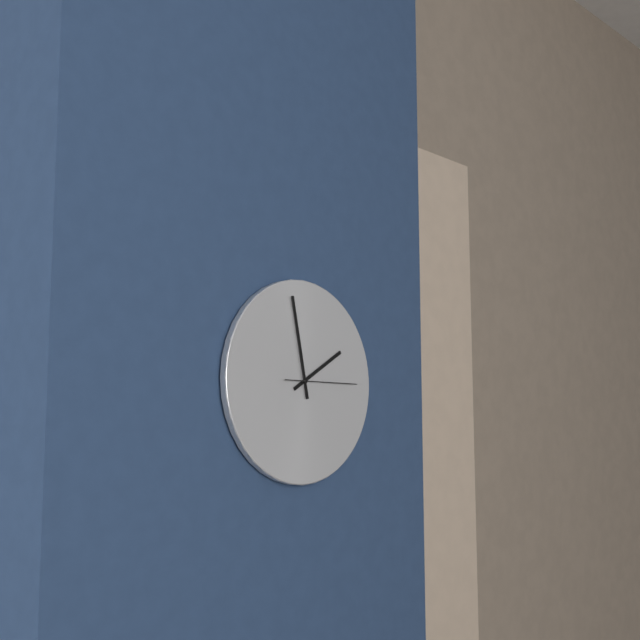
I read h=1 m=58 s=15
